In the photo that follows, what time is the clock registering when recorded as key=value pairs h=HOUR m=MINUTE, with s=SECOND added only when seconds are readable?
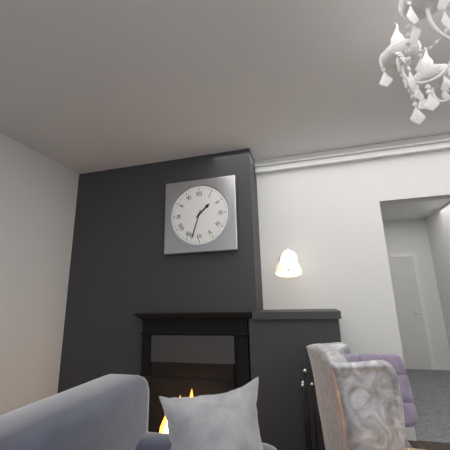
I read h=1 m=33
